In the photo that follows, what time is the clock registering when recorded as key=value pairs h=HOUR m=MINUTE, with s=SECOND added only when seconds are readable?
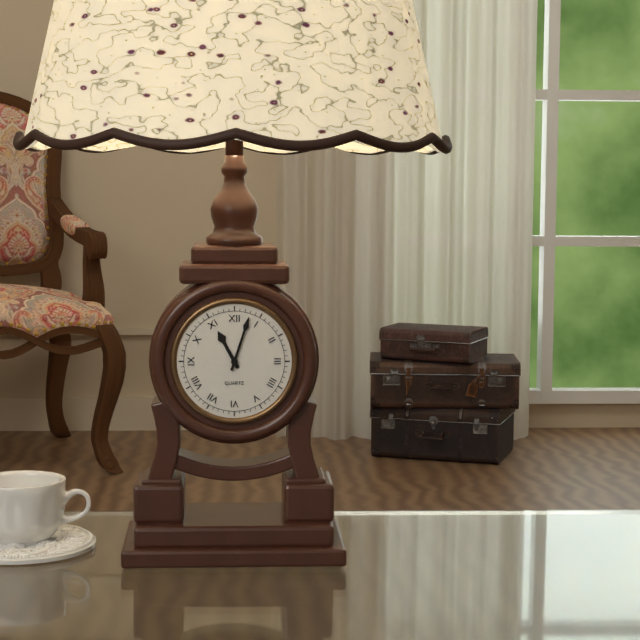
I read h=11 m=3
